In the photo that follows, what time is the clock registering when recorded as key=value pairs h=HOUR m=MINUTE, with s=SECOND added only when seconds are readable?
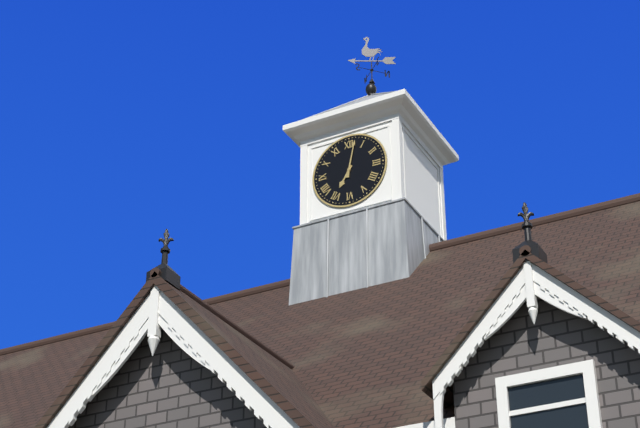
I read h=7 m=2
